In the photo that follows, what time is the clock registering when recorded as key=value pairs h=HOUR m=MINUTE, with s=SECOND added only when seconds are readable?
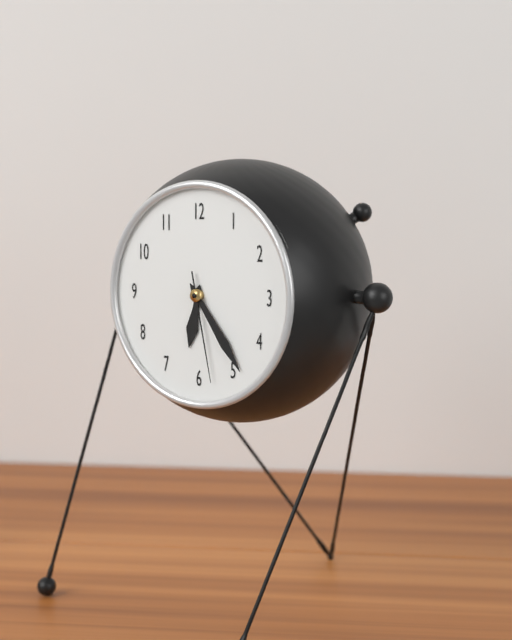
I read h=6 m=24 s=28
